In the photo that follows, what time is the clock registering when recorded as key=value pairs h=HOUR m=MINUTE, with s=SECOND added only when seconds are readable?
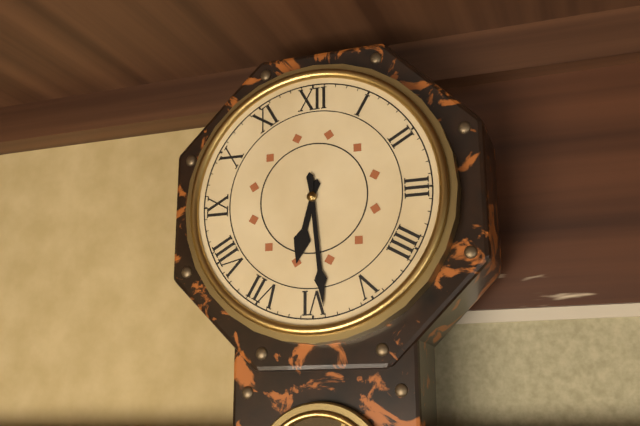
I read h=6 m=29
